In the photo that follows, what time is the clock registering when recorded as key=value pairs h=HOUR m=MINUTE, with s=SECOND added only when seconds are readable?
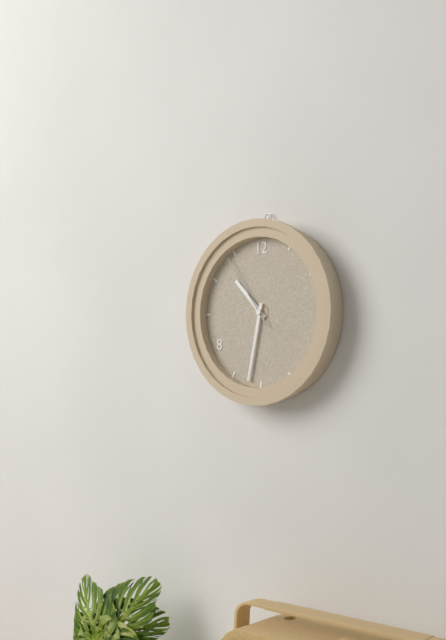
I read h=10 m=32 s=54
